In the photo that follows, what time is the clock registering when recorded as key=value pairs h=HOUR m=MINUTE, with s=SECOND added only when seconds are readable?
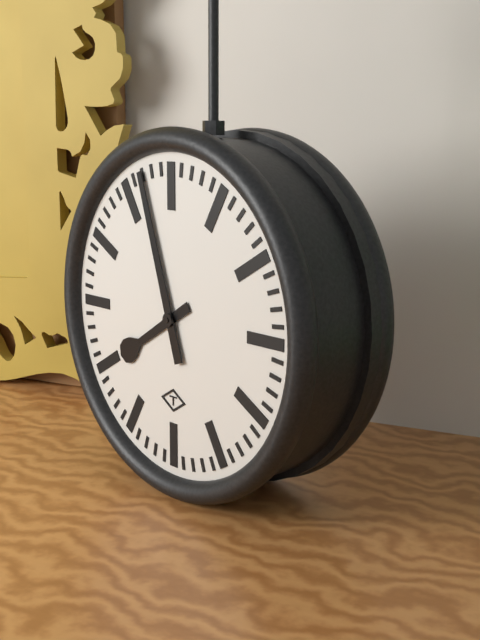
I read h=7 m=57
